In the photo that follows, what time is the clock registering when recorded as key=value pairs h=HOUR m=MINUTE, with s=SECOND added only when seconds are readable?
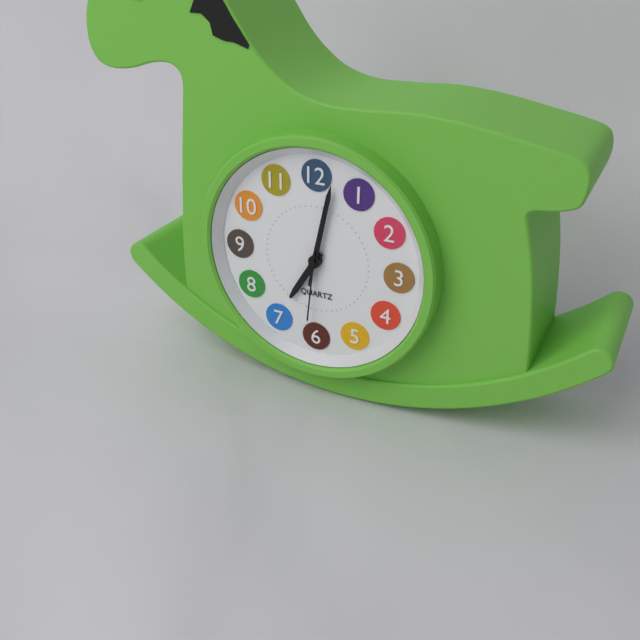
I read h=7 m=2 s=31
